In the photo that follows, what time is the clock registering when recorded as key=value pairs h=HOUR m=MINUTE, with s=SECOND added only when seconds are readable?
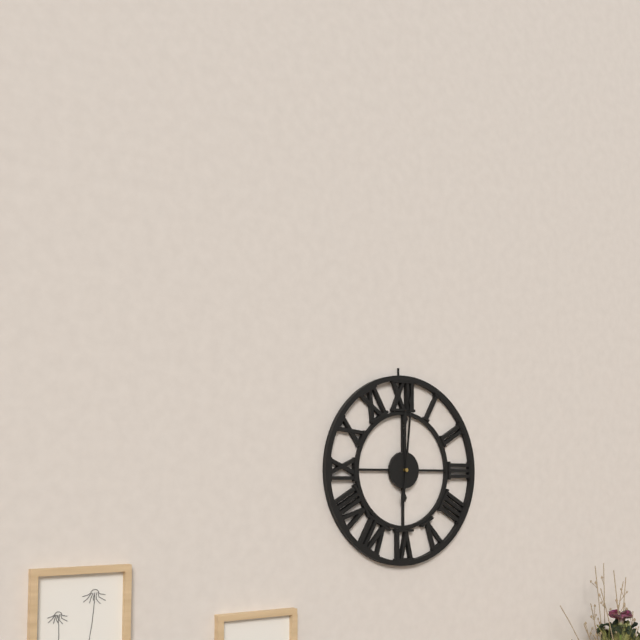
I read h=12 m=1
